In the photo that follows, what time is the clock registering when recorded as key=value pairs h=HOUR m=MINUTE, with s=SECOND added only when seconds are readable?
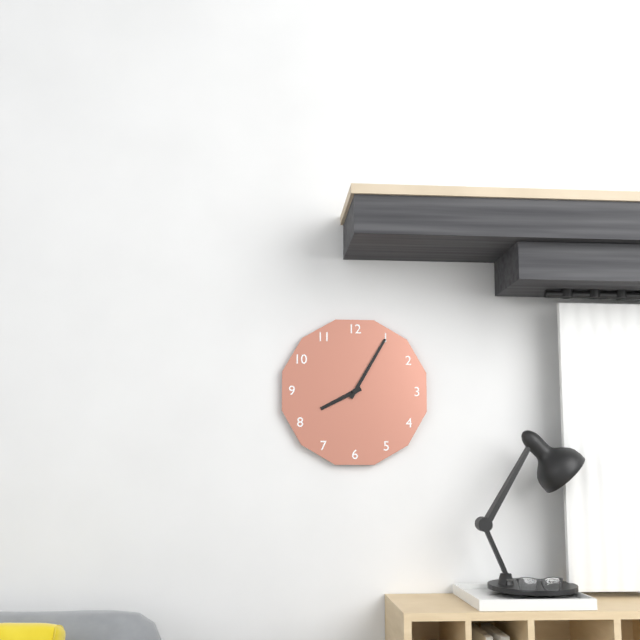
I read h=8 m=5
